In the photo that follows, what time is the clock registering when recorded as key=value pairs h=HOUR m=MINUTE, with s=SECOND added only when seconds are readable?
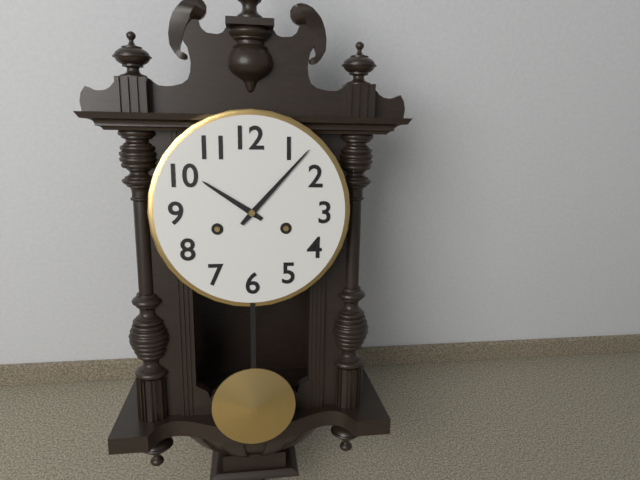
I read h=10 m=7
